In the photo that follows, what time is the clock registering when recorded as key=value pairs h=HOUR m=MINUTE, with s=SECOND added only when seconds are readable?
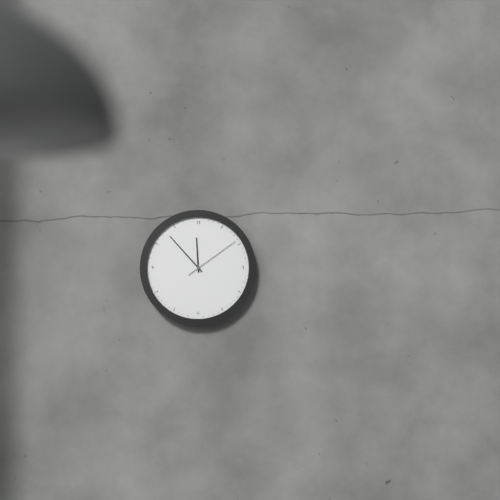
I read h=11 m=53 s=9
